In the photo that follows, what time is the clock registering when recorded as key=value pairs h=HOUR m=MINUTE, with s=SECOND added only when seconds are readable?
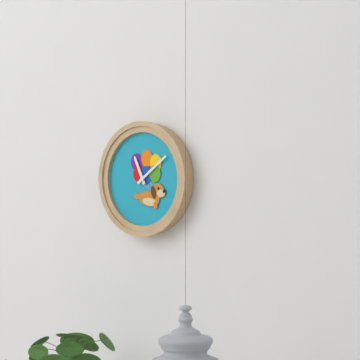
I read h=11 m=9
